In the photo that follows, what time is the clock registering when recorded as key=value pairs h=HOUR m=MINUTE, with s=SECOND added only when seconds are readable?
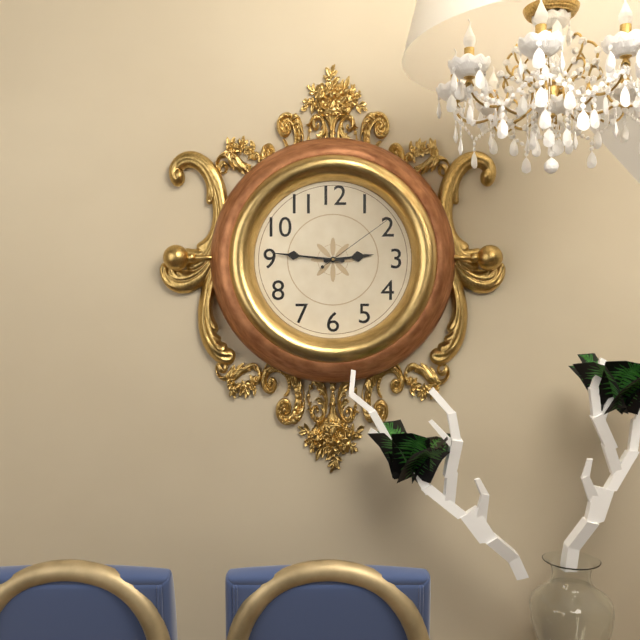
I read h=2 m=46 s=9
